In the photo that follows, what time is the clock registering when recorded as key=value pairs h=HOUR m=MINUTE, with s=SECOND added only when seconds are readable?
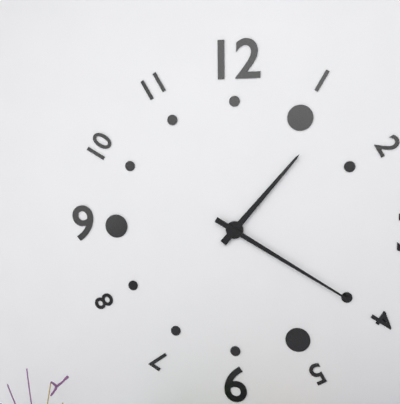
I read h=1 m=20
